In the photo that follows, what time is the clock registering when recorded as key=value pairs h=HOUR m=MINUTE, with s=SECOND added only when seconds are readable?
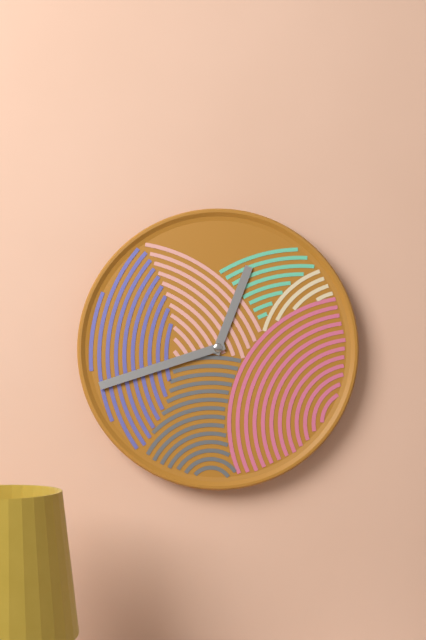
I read h=12 m=42
